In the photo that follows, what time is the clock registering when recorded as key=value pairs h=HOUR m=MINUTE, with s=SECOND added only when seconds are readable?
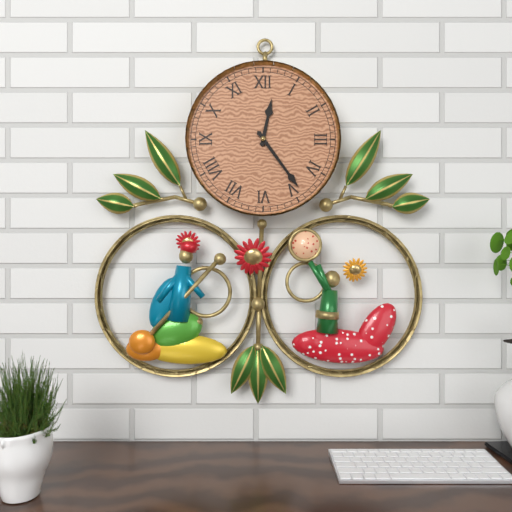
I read h=12 m=24
